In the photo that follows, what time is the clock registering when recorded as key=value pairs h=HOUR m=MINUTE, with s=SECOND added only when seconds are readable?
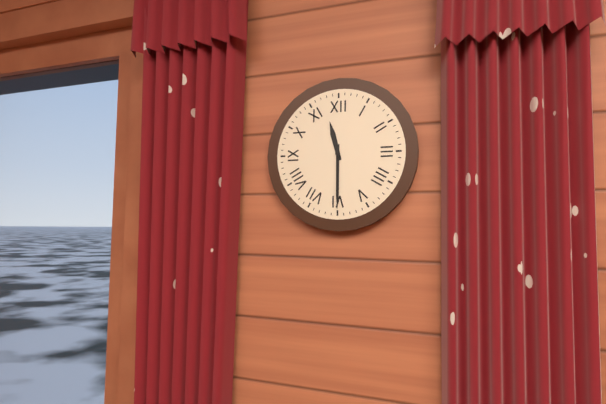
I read h=11 m=30
